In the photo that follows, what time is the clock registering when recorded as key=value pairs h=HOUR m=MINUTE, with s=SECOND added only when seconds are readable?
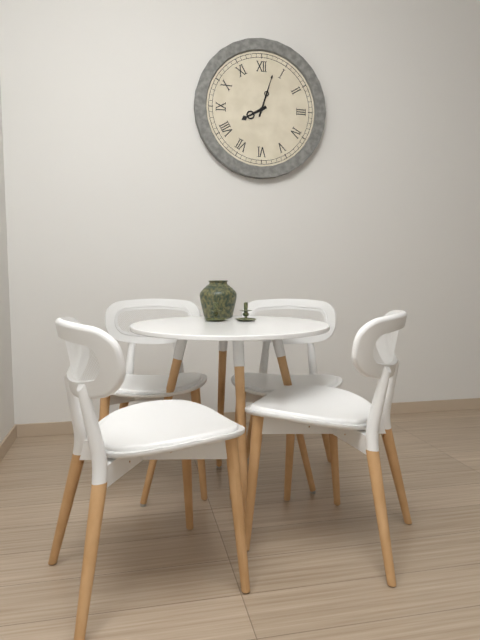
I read h=8 m=3
